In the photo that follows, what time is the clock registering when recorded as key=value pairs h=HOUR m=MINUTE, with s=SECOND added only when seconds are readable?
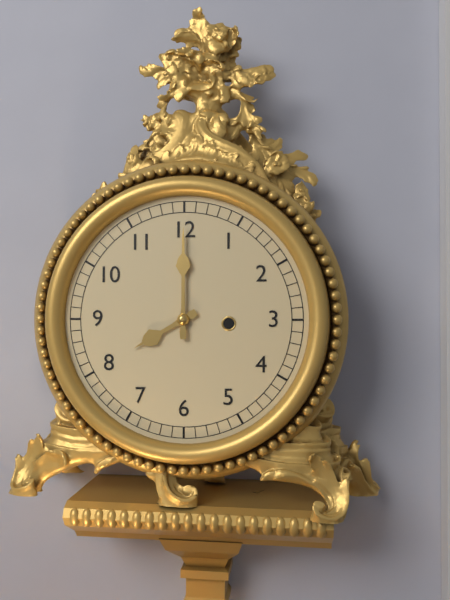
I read h=8 m=0
